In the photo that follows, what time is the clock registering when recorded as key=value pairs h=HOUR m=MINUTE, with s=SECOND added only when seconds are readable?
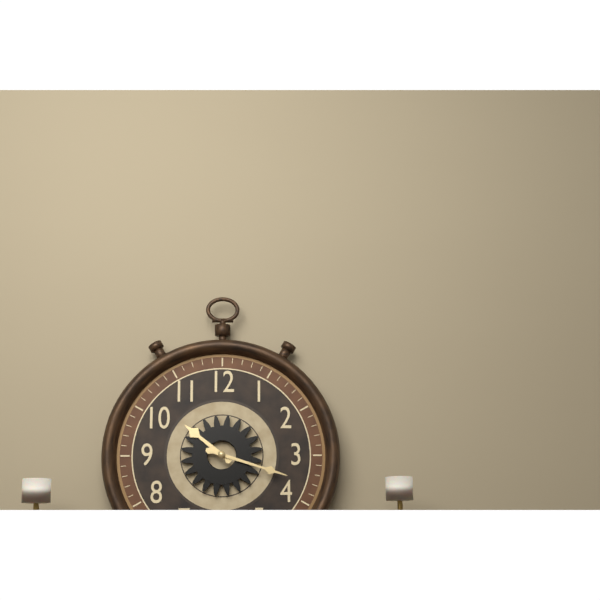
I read h=10 m=18
